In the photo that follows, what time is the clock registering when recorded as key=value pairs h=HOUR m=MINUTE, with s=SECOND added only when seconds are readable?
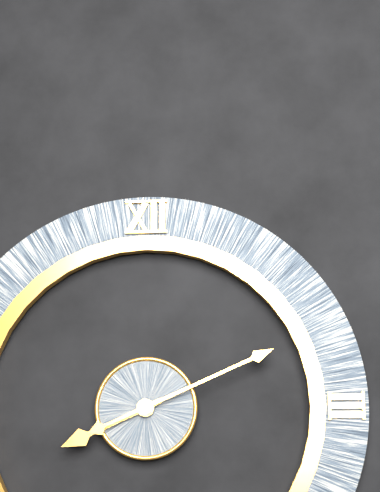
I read h=8 m=11
